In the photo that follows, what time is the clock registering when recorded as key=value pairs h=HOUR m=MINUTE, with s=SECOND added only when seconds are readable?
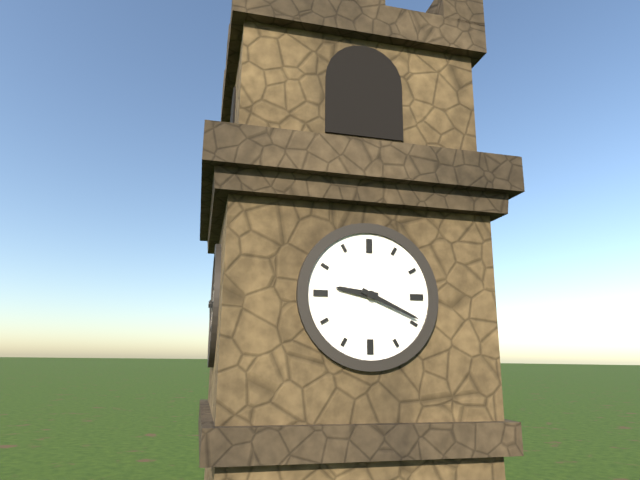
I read h=9 m=19
